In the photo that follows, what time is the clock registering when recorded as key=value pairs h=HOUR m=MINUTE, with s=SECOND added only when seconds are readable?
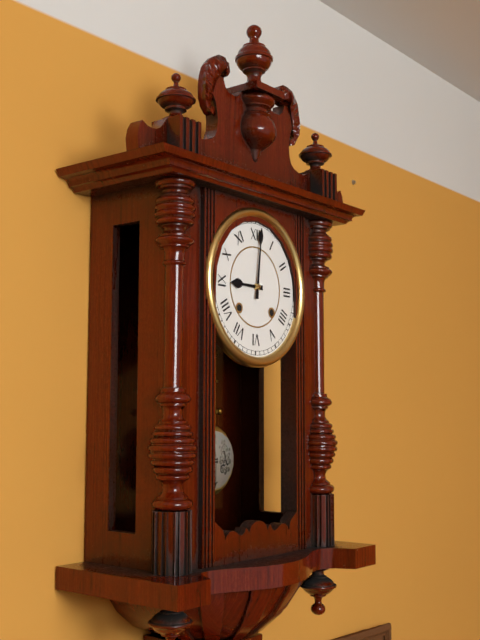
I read h=9 m=1
